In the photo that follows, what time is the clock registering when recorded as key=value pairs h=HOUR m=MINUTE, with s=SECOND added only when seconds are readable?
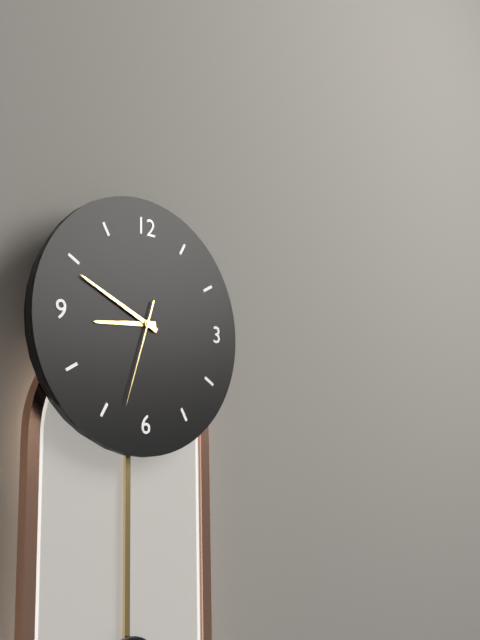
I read h=8 m=49 s=33
